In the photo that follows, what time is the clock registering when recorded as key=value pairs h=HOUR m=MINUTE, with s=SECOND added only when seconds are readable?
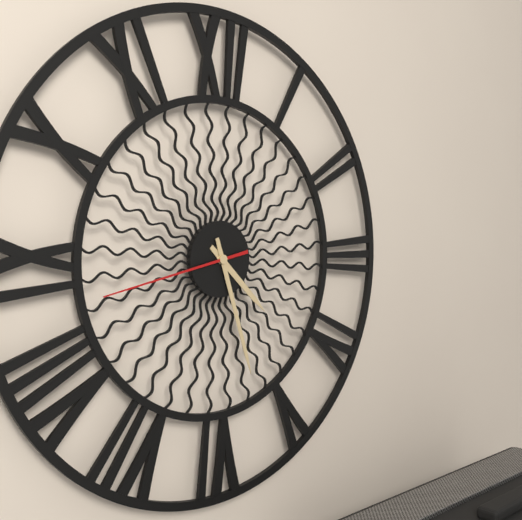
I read h=4 m=27 s=43
